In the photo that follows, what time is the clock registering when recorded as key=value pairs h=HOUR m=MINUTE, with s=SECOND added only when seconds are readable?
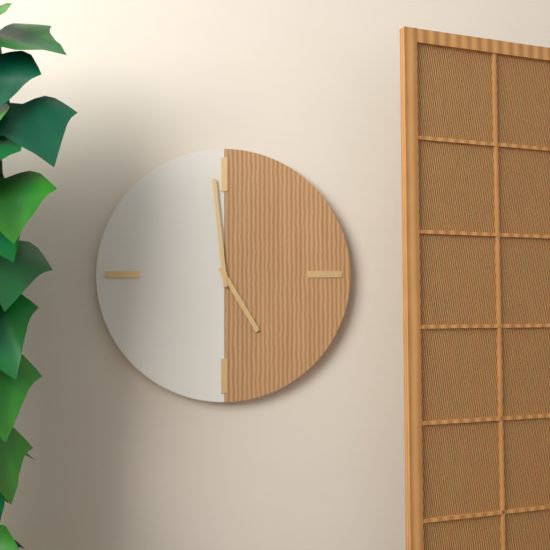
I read h=4 m=59
